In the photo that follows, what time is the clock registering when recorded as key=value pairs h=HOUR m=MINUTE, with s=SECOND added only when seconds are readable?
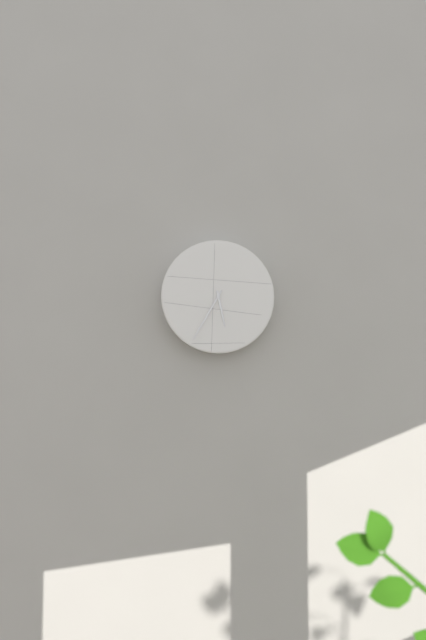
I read h=5 m=35
